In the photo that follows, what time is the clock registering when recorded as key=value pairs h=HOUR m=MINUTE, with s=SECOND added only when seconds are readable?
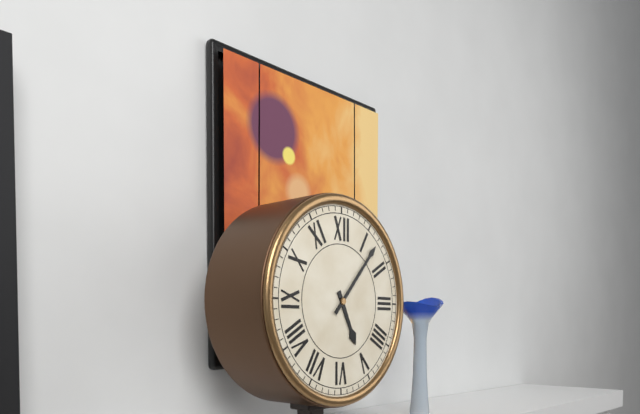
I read h=5 m=7
